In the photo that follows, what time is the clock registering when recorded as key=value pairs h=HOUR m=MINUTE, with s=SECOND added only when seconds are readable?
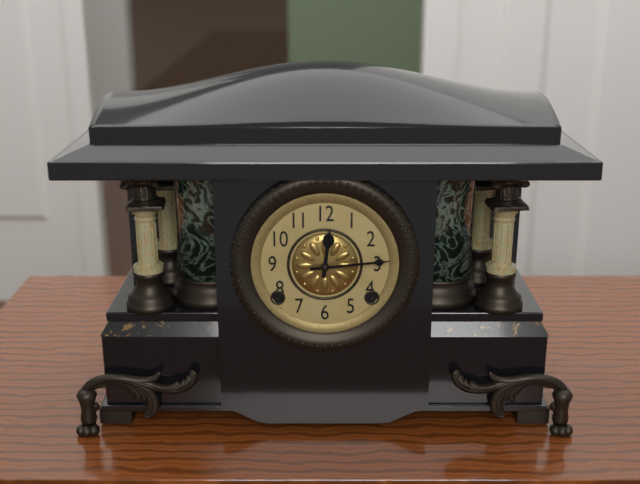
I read h=12 m=14
